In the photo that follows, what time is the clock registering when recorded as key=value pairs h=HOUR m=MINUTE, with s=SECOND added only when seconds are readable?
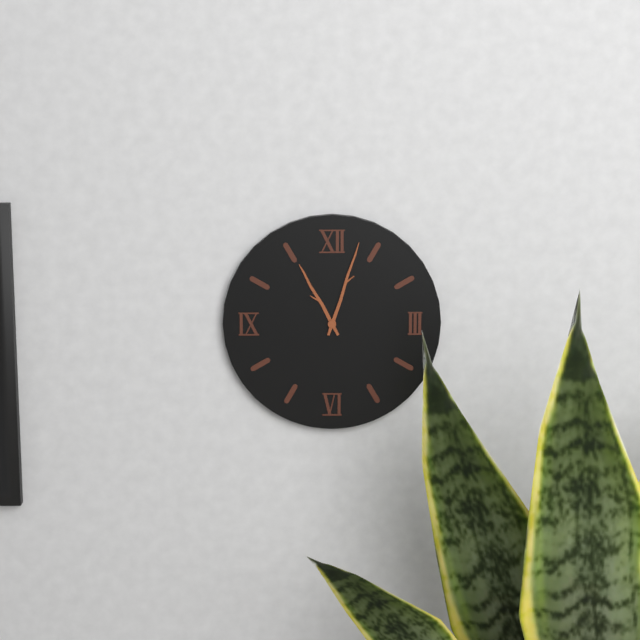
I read h=11 m=3
